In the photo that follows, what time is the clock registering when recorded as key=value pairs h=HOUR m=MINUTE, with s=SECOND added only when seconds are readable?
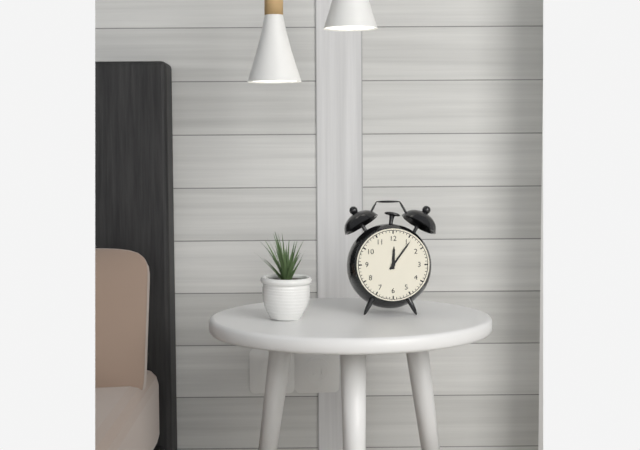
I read h=12 m=6
